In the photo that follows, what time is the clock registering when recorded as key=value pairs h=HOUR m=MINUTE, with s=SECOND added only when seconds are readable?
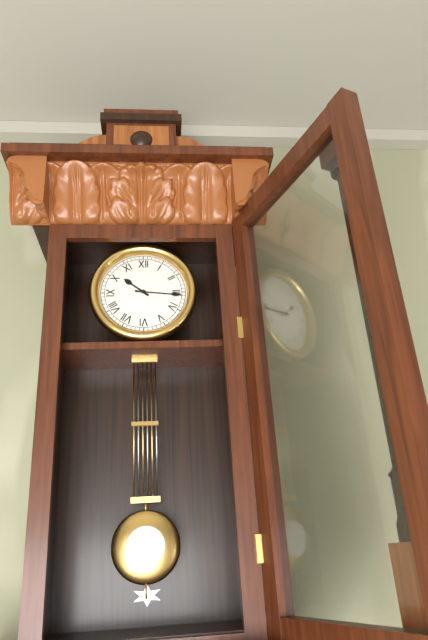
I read h=10 m=16
